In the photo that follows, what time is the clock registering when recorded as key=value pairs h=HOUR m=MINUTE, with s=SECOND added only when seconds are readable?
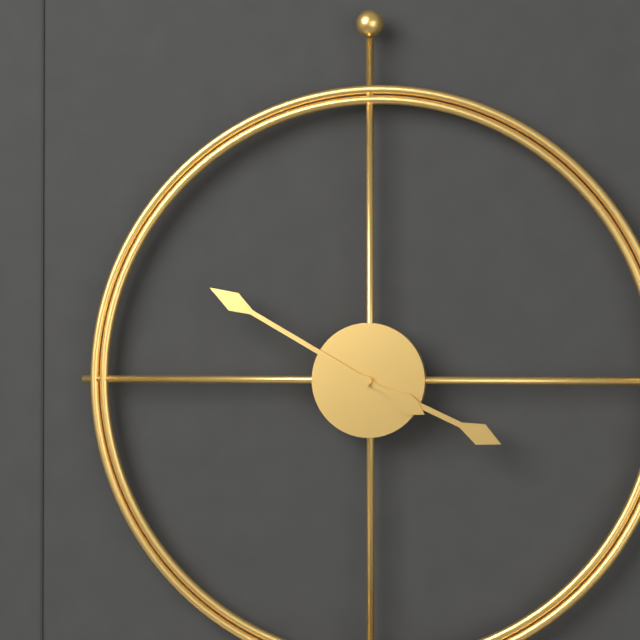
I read h=3 m=50
